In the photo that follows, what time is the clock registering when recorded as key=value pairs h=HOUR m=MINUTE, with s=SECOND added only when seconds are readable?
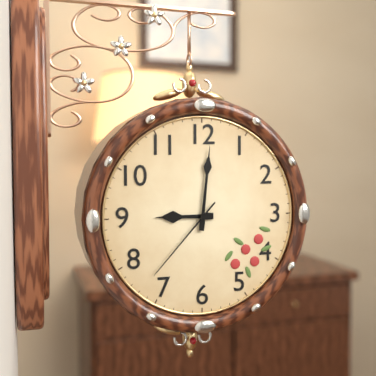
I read h=9 m=1 s=37
